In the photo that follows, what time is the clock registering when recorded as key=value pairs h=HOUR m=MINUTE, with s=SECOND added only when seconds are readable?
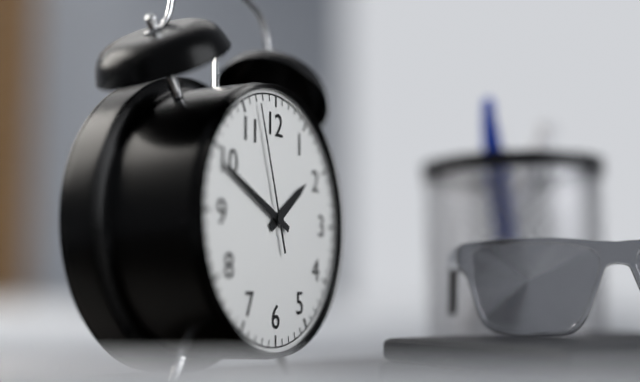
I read h=1 m=49 s=57
